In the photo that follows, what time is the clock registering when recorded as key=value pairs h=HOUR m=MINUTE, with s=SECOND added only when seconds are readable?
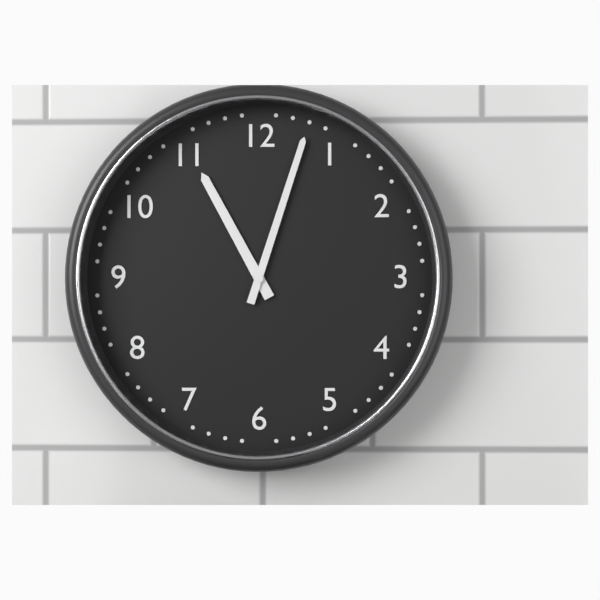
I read h=11 m=3
